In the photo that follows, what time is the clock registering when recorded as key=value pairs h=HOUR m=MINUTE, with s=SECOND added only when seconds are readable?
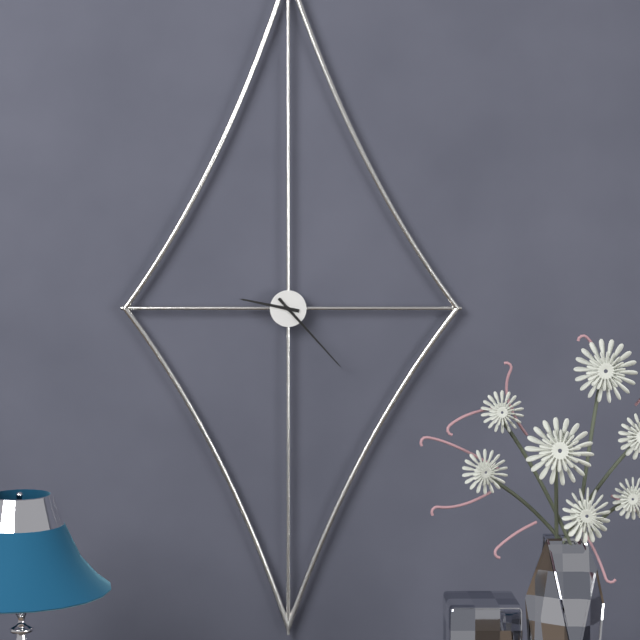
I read h=9 m=23
